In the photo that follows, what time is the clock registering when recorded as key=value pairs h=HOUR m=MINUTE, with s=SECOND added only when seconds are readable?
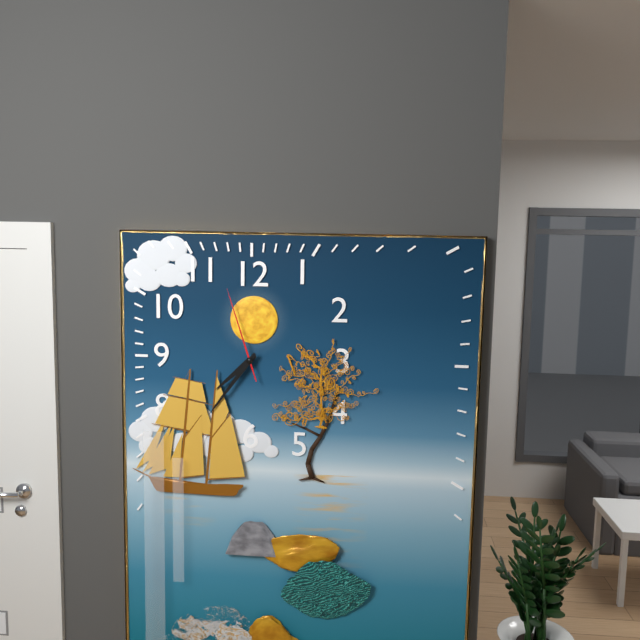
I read h=7 m=36 s=57
